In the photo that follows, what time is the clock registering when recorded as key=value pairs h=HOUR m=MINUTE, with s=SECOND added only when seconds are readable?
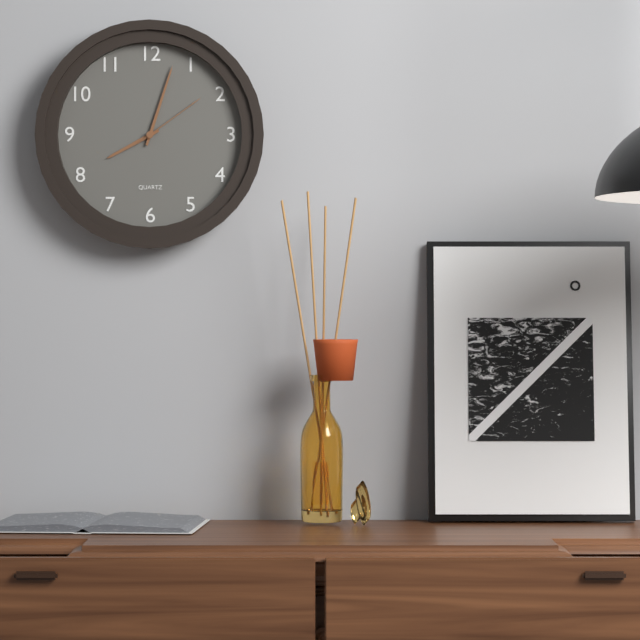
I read h=8 m=3 s=9
